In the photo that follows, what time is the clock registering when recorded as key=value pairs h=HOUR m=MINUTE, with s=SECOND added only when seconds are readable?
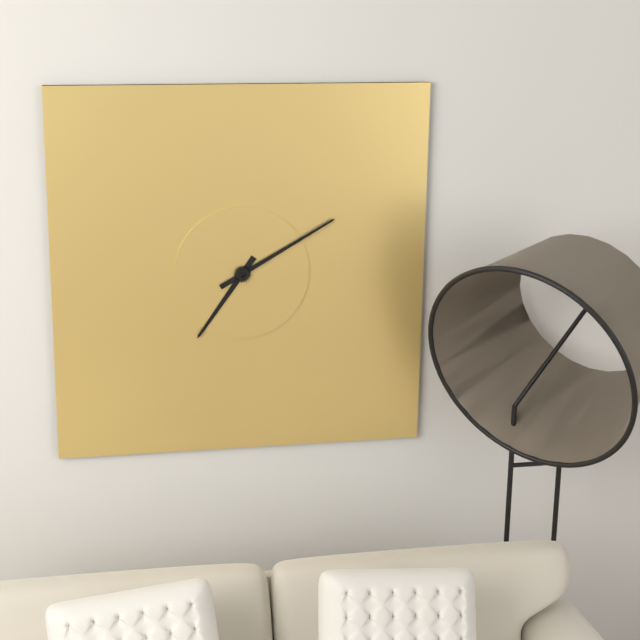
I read h=7 m=10
